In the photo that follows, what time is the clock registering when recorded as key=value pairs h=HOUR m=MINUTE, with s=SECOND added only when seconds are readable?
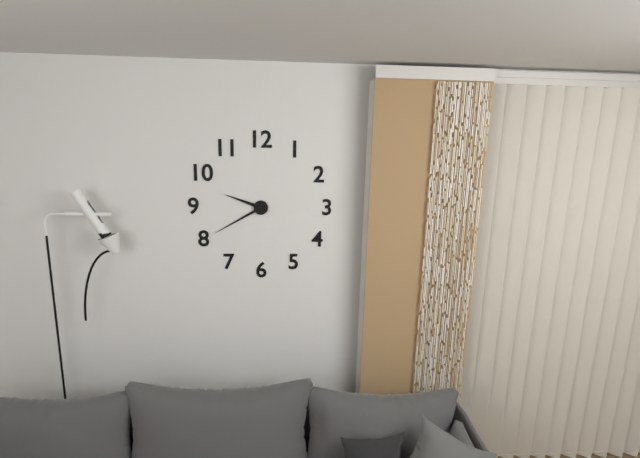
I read h=9 m=40
